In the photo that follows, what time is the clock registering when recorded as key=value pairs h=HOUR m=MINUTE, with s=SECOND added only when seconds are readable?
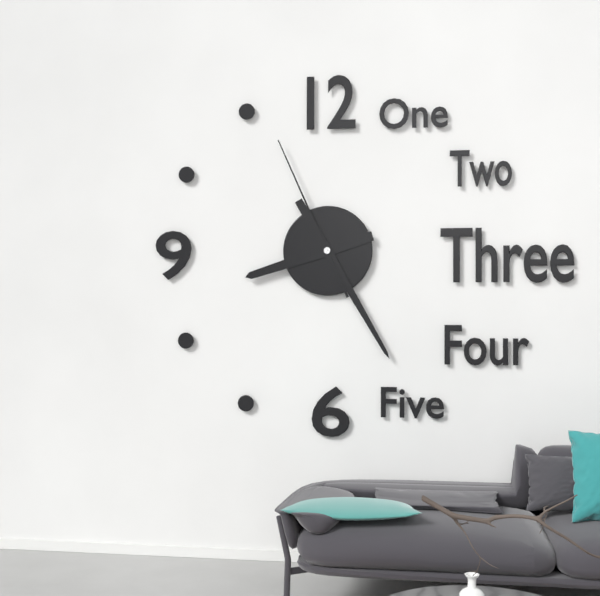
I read h=8 m=25 s=56
